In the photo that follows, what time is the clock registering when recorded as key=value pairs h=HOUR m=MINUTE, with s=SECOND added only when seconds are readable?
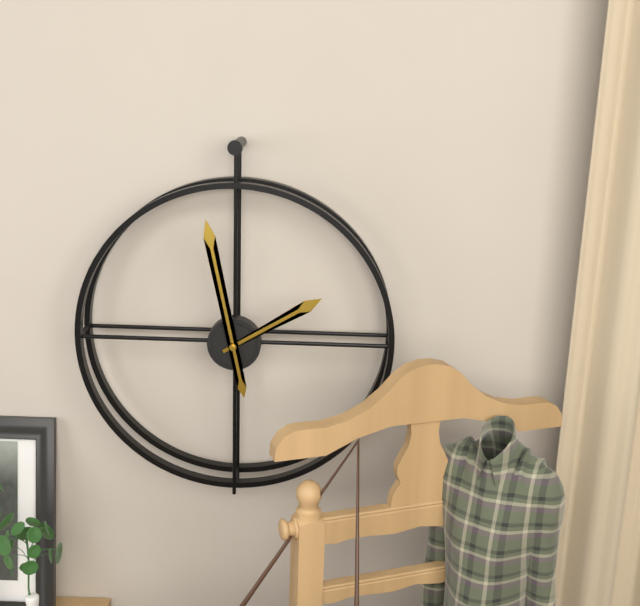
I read h=1 m=58
